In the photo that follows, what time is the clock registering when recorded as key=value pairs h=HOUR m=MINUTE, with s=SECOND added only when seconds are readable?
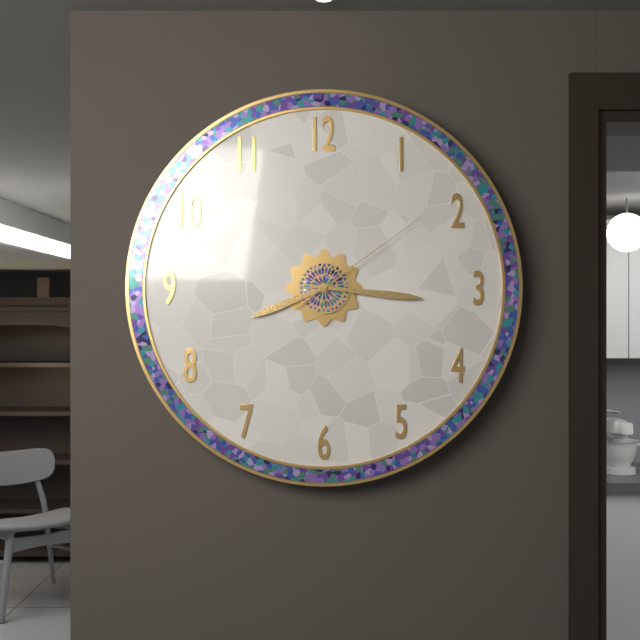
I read h=8 m=16 s=9
